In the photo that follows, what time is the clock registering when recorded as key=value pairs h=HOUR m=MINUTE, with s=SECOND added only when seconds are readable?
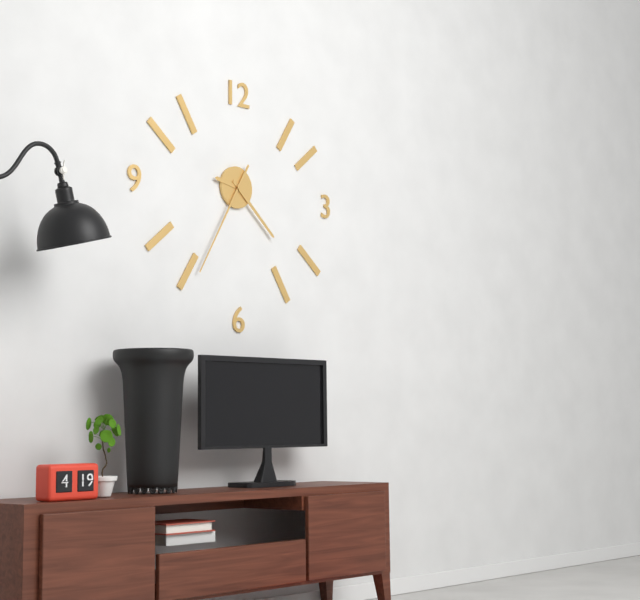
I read h=9 m=22 s=35
